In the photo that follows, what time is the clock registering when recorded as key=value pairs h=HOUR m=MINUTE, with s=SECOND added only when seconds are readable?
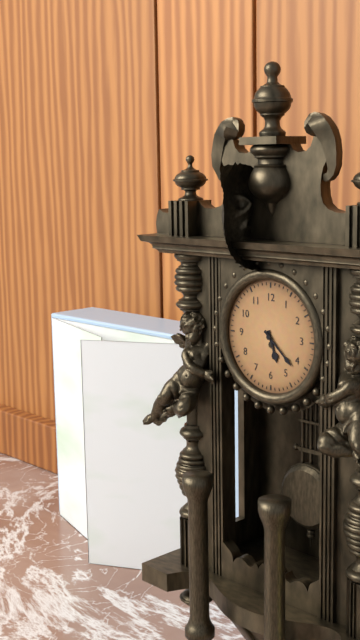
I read h=5 m=22
